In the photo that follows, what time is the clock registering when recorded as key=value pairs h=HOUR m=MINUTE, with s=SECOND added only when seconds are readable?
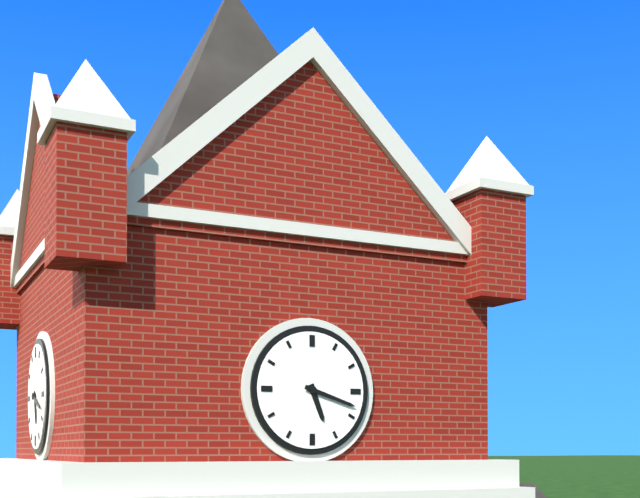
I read h=5 m=18
